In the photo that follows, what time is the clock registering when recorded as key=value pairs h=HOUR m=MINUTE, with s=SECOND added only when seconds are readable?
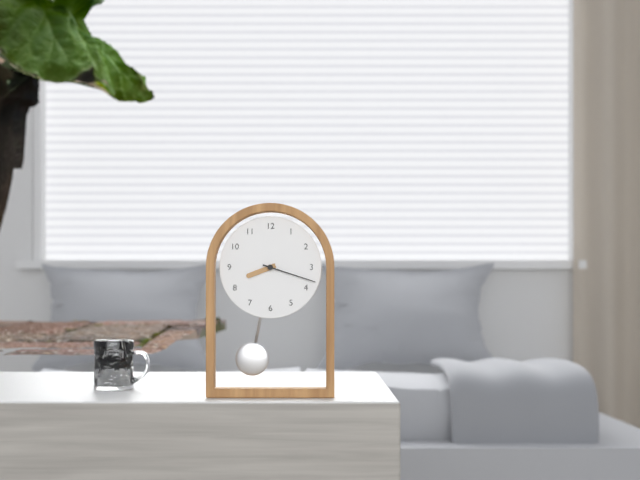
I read h=8 m=18
